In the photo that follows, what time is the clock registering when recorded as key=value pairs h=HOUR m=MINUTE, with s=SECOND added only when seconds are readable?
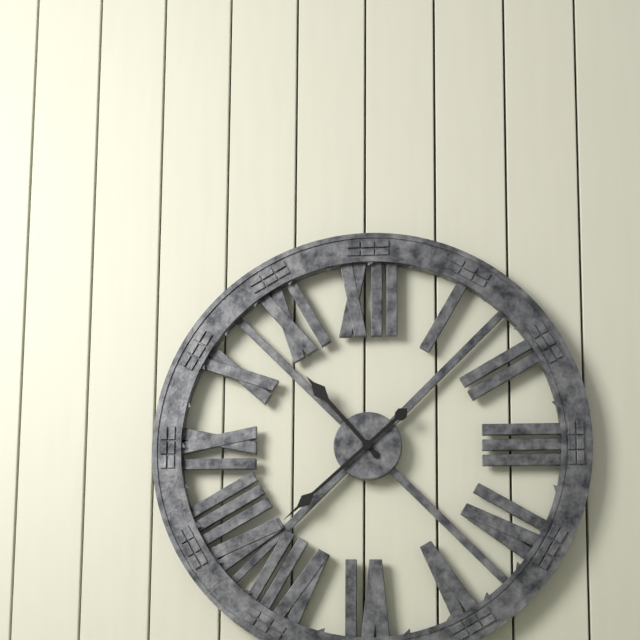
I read h=10 m=38
